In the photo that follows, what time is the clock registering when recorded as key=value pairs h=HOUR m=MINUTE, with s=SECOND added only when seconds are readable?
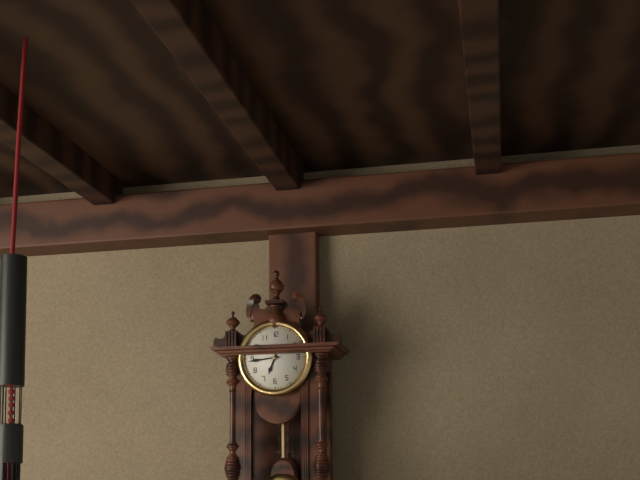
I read h=6 m=44
